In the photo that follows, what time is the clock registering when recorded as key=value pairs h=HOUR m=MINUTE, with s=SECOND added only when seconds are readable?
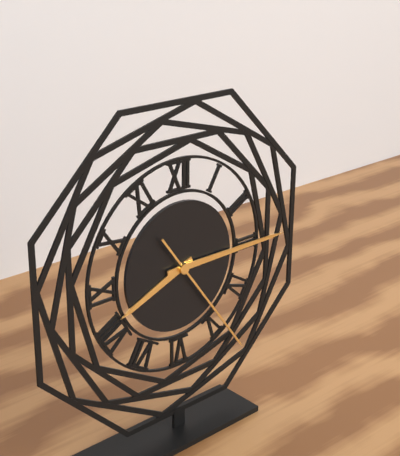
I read h=8 m=15 s=24
